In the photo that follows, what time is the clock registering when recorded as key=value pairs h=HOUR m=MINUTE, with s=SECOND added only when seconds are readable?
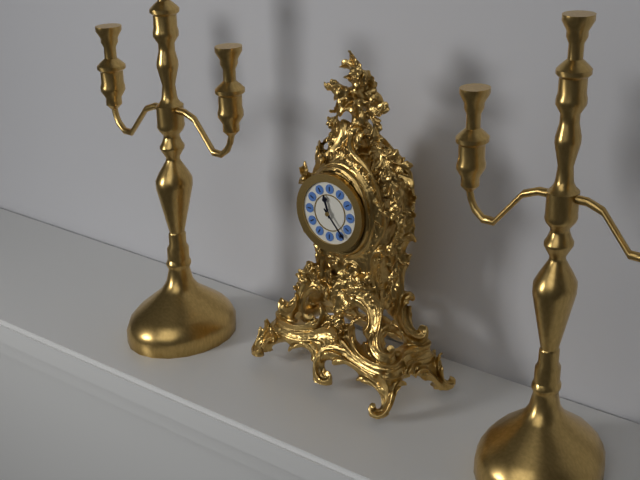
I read h=11 m=23
